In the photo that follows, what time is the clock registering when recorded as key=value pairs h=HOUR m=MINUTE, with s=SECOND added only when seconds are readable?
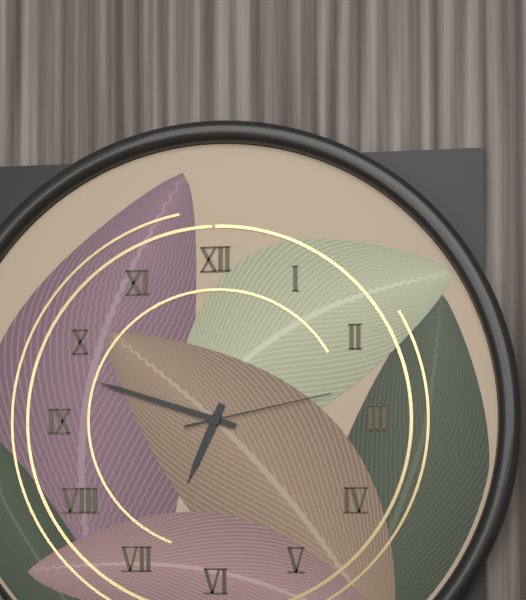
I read h=6 m=48 s=13
